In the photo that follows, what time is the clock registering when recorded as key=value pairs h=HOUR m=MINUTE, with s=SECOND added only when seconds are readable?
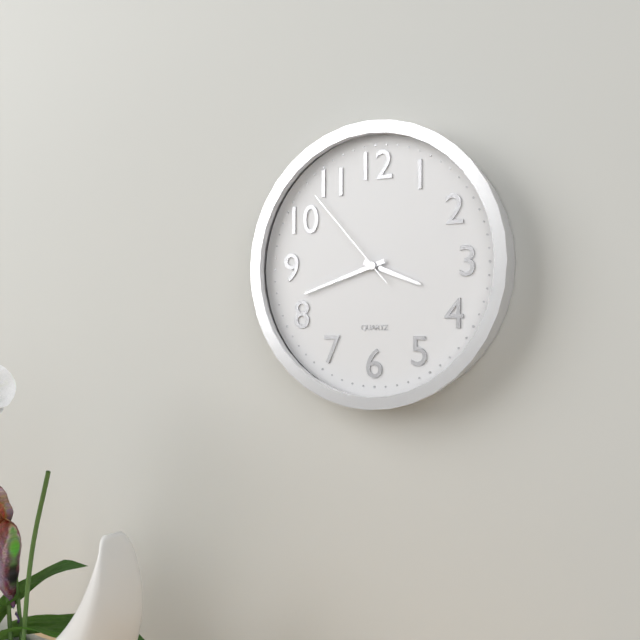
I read h=3 m=42 s=53
